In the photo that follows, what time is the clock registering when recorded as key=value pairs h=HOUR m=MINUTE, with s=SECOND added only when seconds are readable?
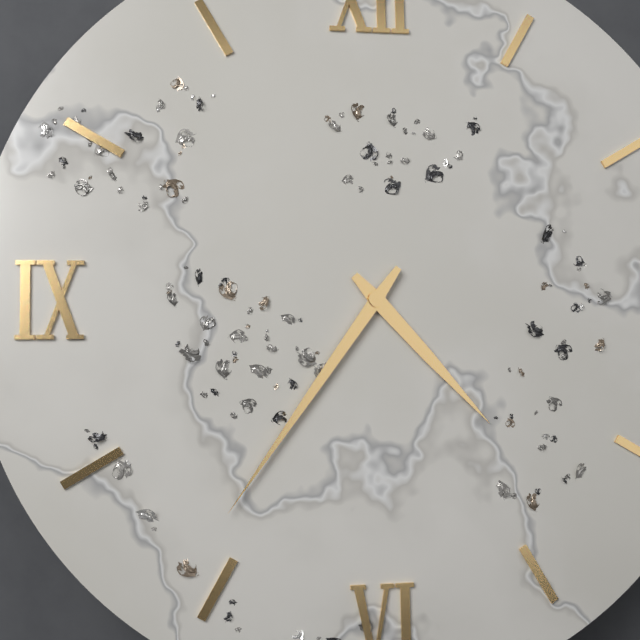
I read h=4 m=36
